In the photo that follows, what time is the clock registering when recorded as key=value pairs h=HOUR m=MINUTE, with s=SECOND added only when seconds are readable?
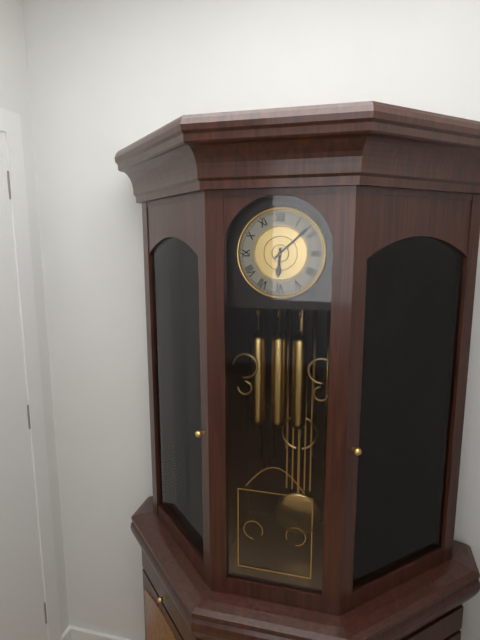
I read h=6 m=8
